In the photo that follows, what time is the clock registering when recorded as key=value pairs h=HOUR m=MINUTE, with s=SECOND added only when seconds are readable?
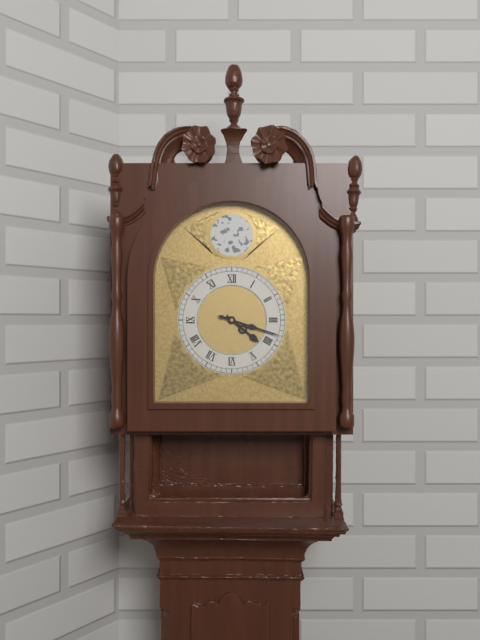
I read h=4 m=18
